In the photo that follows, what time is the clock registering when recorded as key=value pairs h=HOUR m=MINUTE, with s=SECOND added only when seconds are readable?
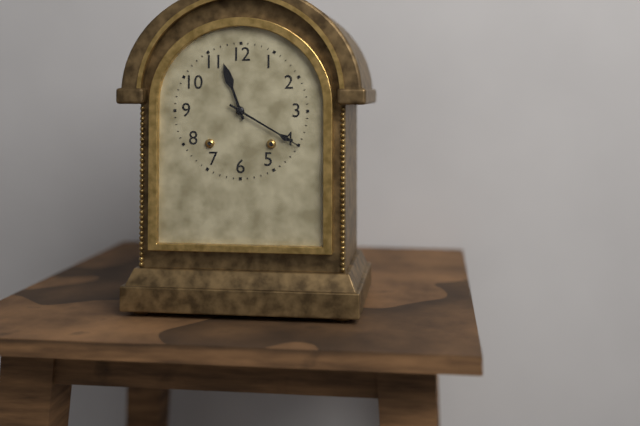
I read h=11 m=20
